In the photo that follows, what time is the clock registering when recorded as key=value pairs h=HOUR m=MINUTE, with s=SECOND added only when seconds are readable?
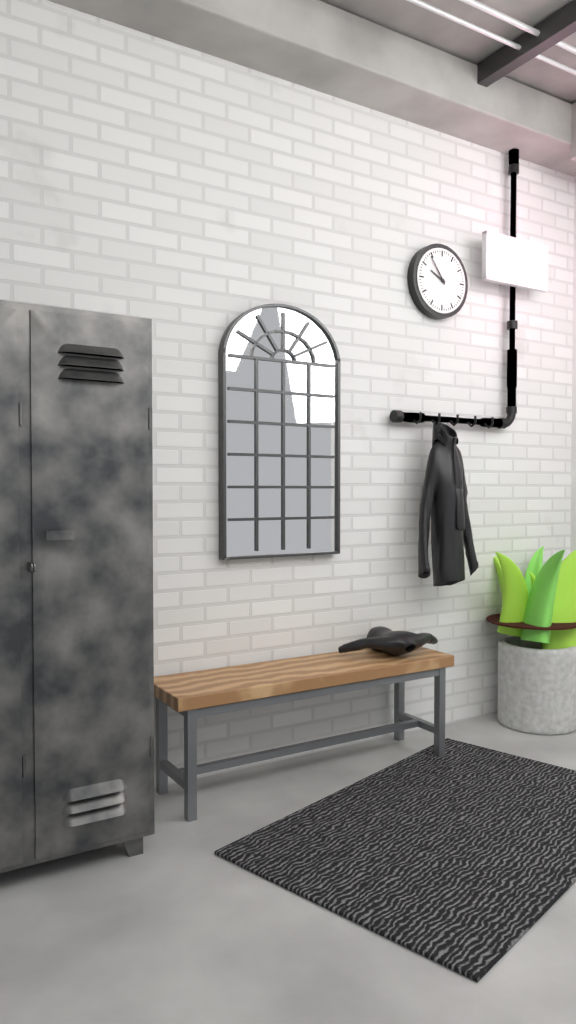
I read h=9 m=54
